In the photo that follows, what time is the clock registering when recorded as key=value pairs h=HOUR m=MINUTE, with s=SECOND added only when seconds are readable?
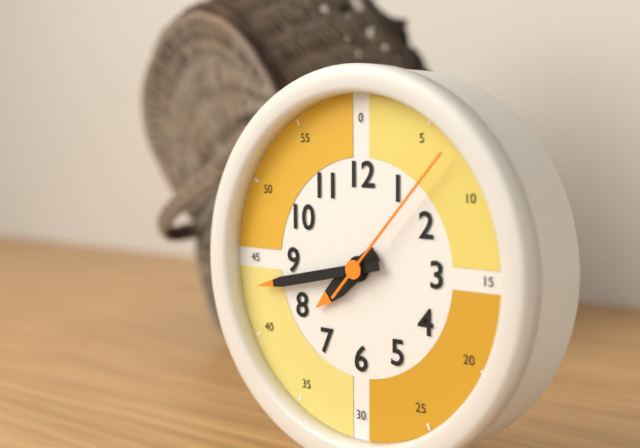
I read h=7 m=43 s=7
